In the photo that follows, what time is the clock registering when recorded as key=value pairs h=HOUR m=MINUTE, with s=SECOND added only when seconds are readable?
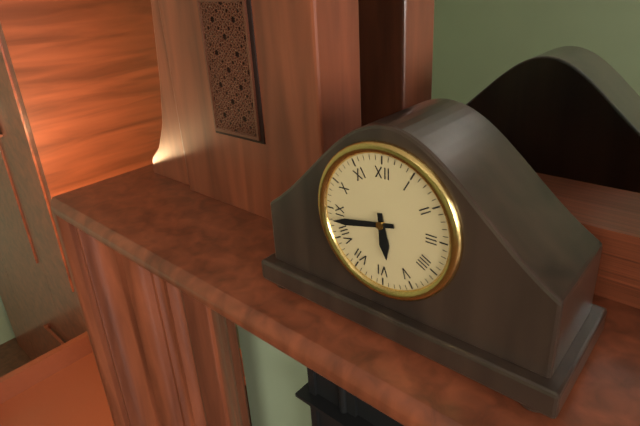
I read h=5 m=43
